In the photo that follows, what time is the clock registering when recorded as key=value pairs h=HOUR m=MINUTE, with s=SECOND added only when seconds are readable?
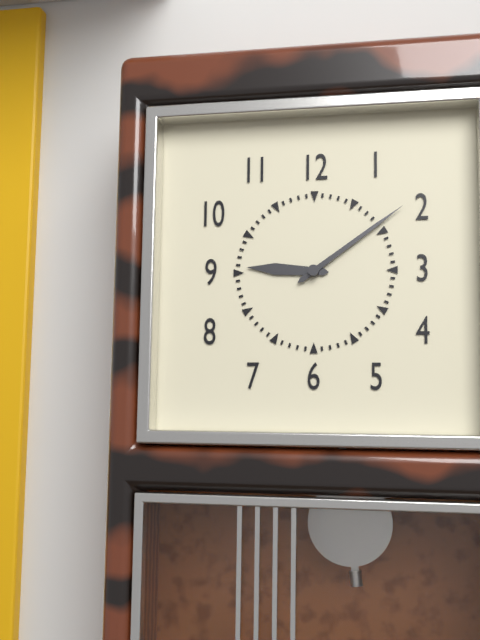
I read h=9 m=9
